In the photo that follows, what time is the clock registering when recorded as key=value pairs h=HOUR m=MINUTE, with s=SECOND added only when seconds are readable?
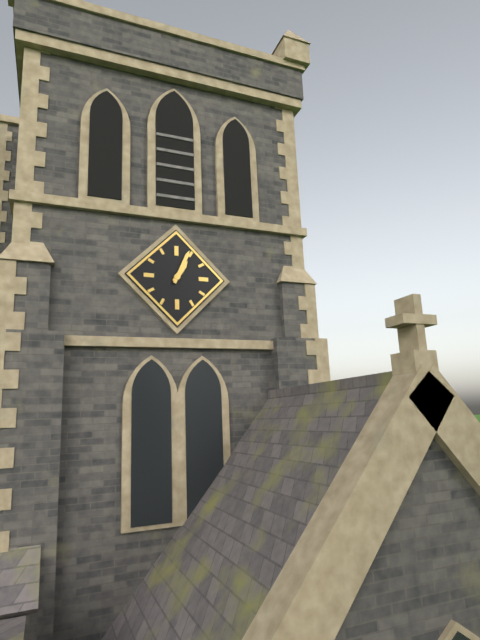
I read h=1 m=4
